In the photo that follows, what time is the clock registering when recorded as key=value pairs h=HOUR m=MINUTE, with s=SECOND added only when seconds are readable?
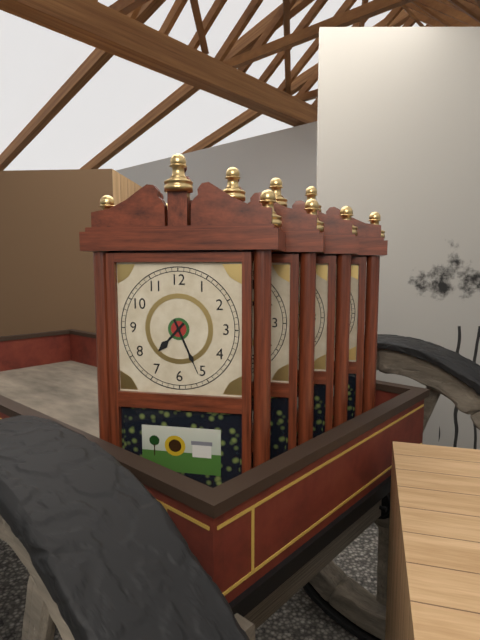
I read h=7 m=26
